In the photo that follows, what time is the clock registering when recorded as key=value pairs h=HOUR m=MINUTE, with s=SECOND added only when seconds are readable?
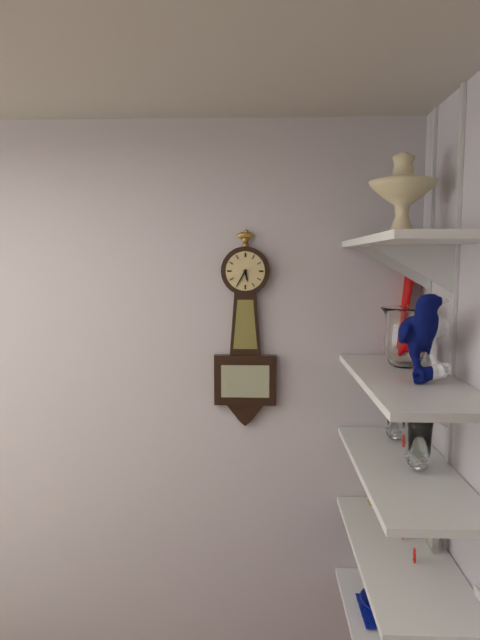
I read h=5 m=35
